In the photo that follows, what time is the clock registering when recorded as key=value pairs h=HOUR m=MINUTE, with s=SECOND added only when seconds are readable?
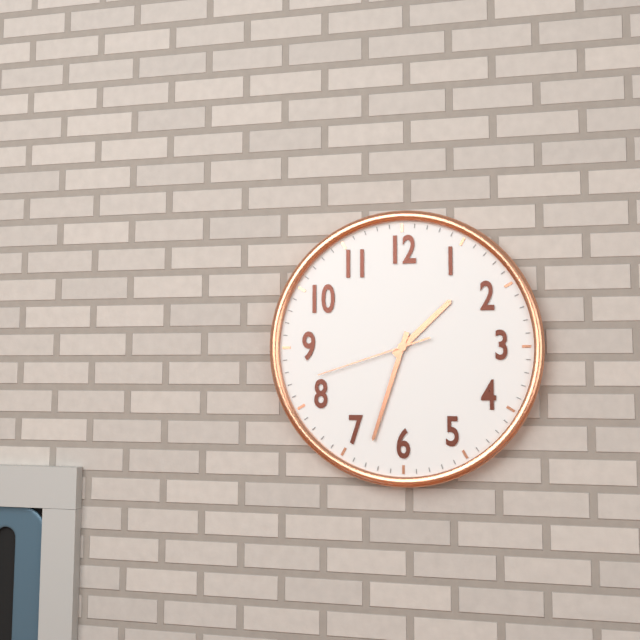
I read h=1 m=33 s=42
